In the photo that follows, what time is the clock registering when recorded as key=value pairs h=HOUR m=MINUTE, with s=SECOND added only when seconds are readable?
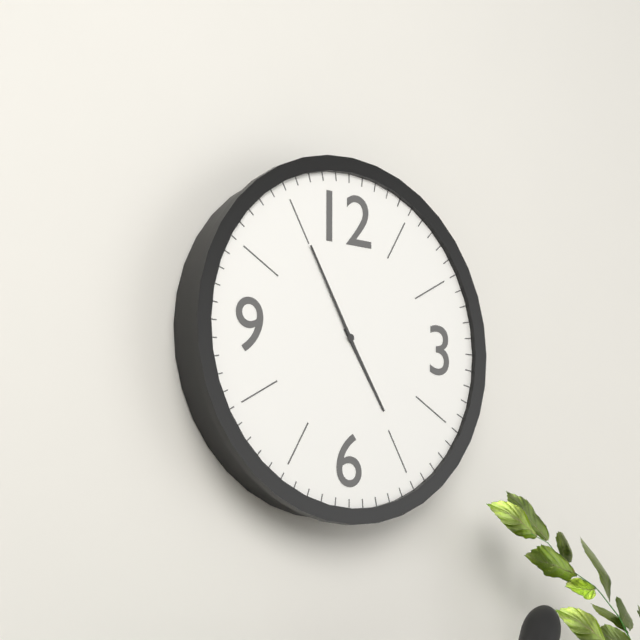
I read h=4 m=55
